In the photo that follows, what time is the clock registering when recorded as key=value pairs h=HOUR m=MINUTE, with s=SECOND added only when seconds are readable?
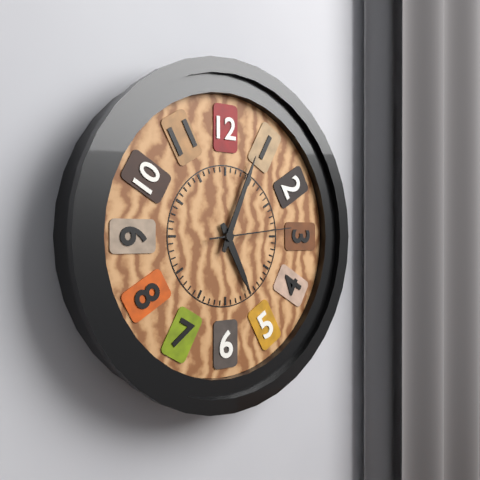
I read h=5 m=4 s=14
